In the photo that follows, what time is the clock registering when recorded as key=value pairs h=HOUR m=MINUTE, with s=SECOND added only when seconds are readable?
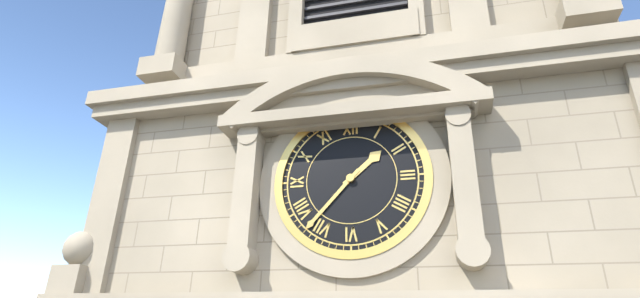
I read h=1 m=37
